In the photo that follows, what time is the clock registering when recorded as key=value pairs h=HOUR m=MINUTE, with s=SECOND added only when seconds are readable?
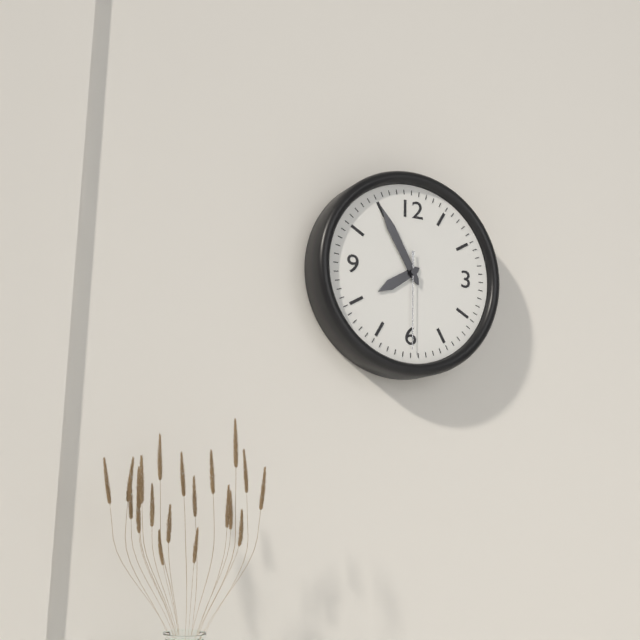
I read h=7 m=55 s=30
